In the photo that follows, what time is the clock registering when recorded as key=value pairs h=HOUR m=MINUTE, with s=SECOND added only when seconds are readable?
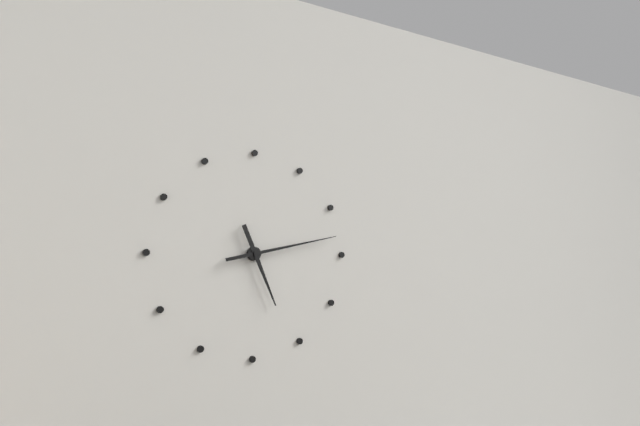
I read h=5 m=13
